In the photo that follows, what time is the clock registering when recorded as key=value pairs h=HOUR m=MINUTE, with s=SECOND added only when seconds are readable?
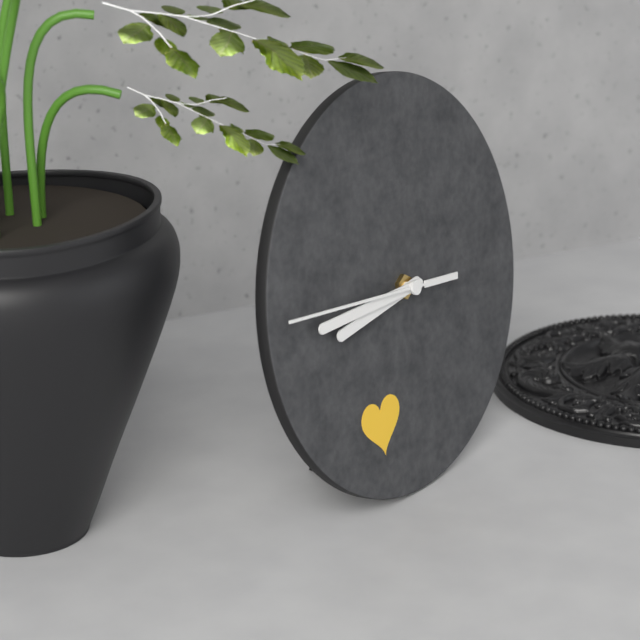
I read h=8 m=45 s=46
